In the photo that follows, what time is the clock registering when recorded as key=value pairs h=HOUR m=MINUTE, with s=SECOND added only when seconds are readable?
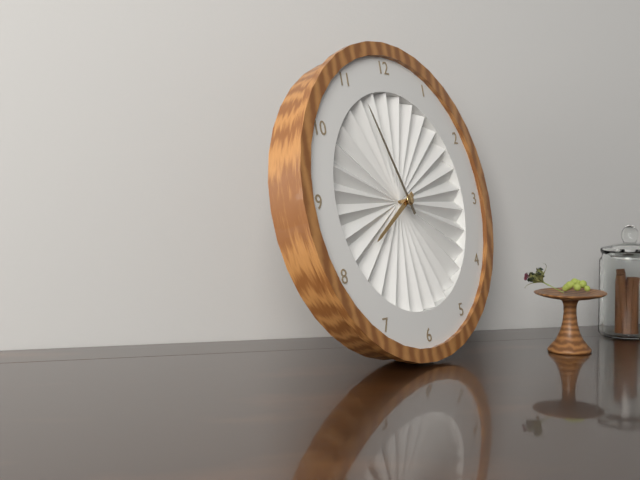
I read h=7 m=56
